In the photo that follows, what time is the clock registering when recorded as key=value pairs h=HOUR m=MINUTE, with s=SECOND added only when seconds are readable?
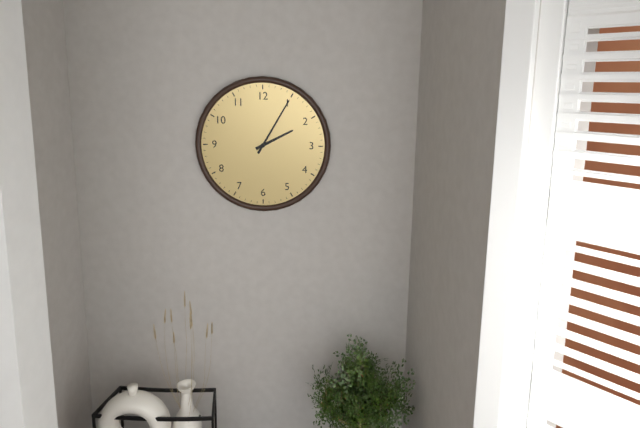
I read h=2 m=5
